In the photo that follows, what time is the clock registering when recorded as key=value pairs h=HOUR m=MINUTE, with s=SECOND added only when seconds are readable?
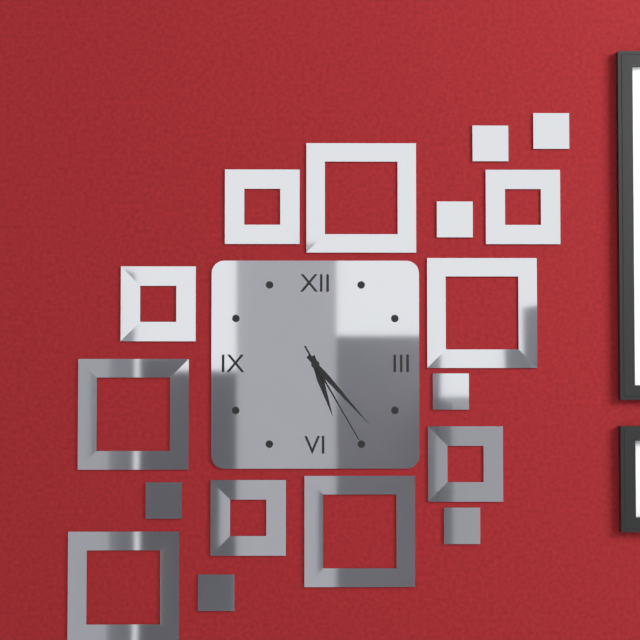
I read h=5 m=23 s=25
